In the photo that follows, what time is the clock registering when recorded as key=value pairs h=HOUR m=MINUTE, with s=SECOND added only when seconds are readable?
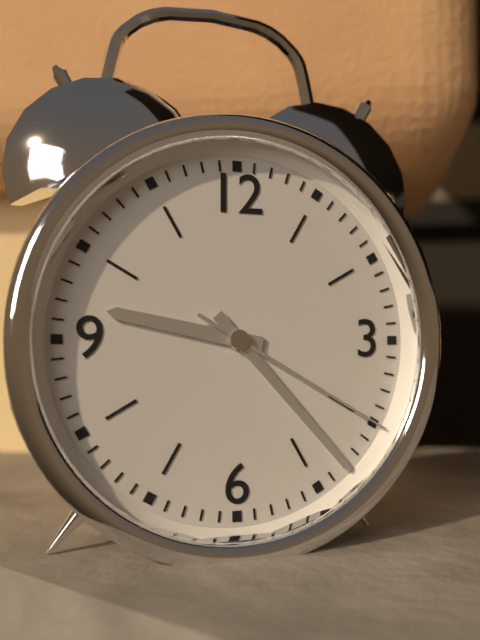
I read h=9 m=23 s=20
